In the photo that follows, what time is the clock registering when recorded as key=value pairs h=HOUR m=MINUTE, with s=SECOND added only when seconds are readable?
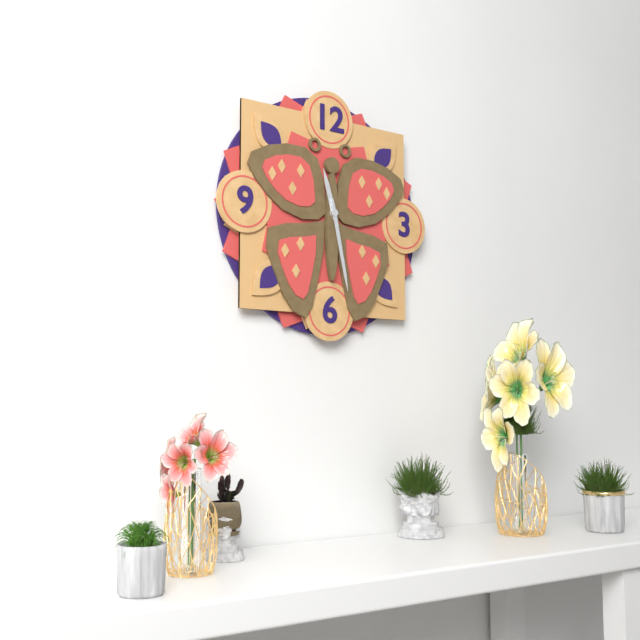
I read h=11 m=28
